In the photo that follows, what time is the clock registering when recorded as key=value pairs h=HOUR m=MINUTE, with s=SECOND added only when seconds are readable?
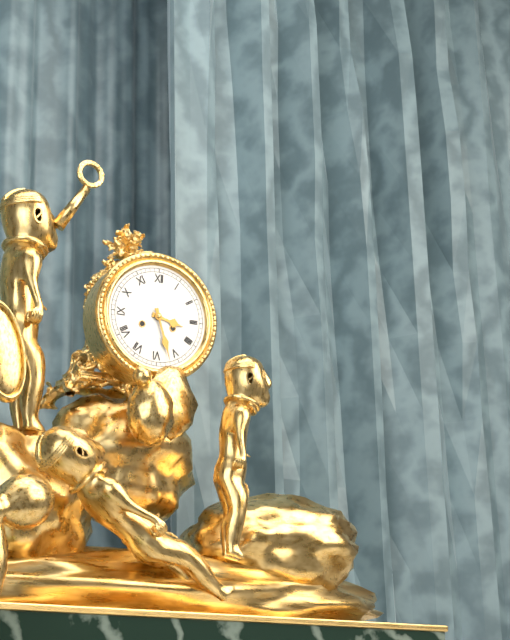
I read h=3 m=27
